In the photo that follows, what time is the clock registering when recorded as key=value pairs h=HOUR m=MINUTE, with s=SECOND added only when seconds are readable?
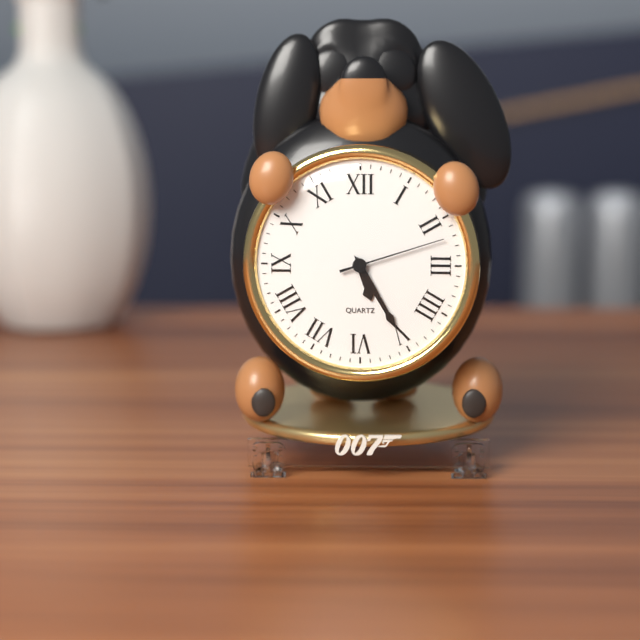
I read h=5 m=25 s=12
